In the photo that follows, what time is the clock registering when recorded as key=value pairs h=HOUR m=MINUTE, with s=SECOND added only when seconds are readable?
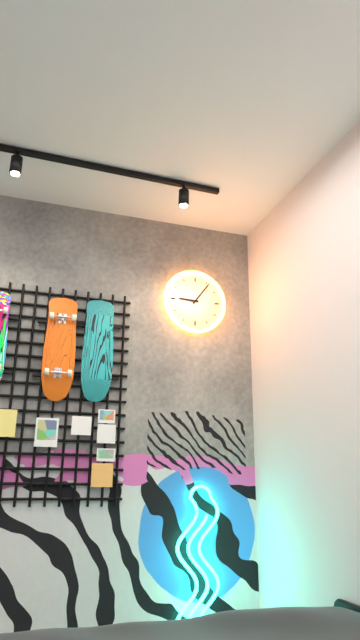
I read h=9 m=6
